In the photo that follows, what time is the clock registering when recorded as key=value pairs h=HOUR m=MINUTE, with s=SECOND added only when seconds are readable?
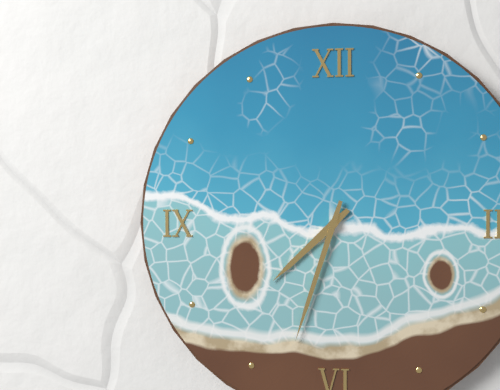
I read h=7 m=33
